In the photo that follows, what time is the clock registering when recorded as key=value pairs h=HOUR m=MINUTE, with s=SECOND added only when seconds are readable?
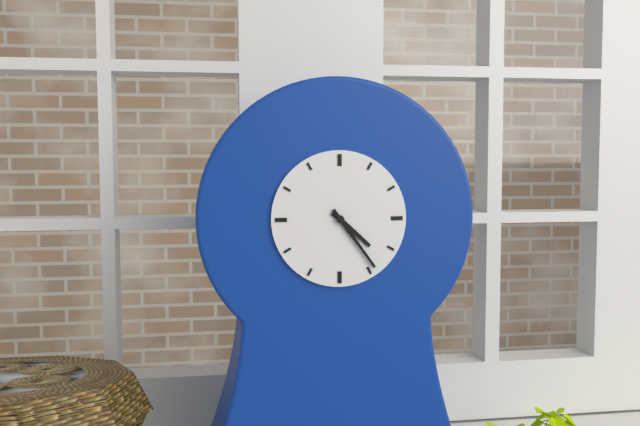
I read h=4 m=24
